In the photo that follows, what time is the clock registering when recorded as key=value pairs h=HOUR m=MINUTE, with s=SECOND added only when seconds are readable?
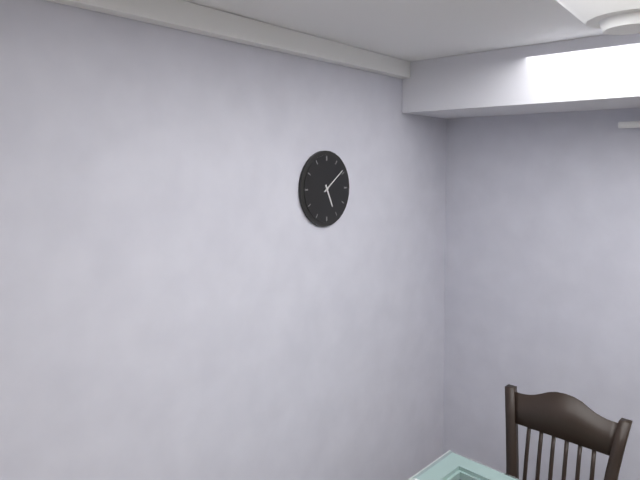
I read h=5 m=9
